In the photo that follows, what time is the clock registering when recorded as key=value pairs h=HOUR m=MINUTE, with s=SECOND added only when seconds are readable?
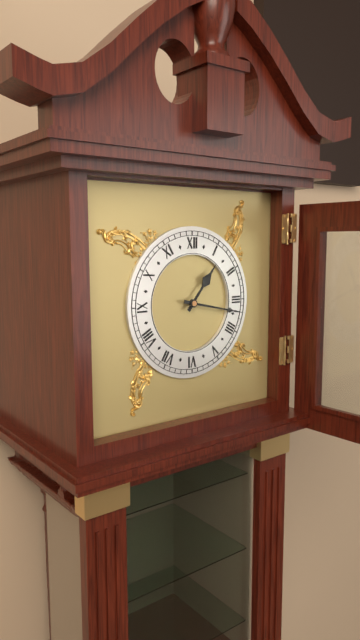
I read h=1 m=17
